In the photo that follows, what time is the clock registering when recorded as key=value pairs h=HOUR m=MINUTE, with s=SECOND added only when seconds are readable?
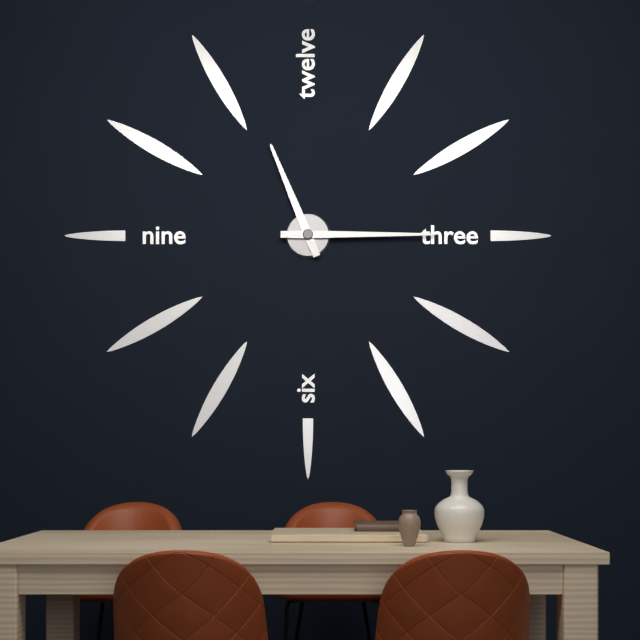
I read h=11 m=15
